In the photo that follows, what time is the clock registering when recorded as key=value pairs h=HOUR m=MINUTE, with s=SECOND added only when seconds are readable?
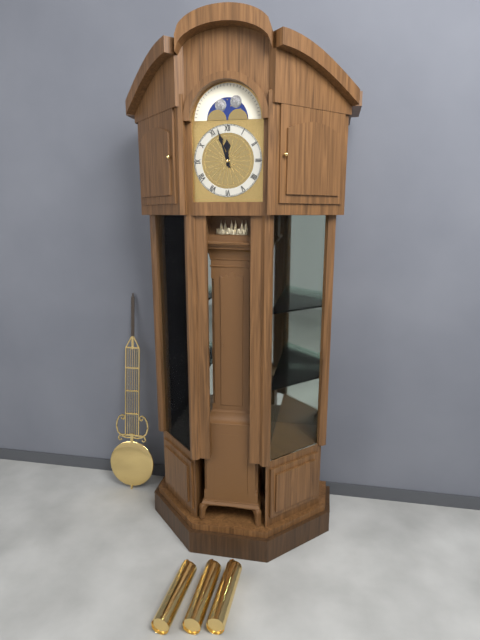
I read h=11 m=57
